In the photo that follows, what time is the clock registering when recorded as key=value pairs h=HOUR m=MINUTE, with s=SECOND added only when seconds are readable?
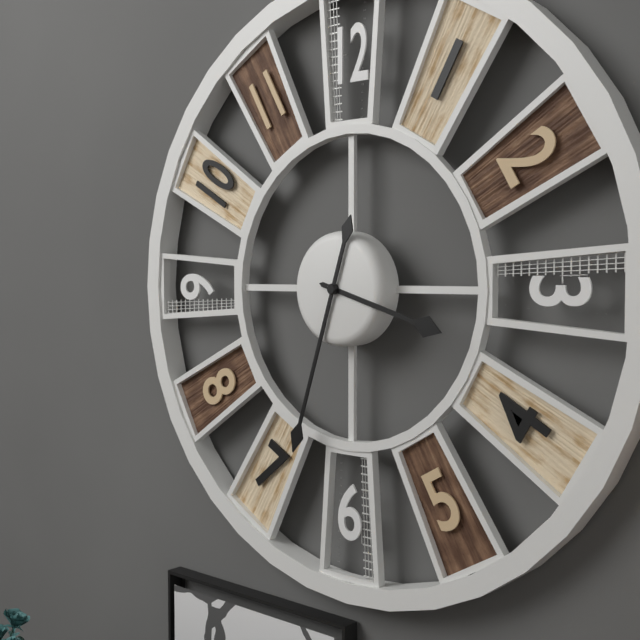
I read h=3 m=33
